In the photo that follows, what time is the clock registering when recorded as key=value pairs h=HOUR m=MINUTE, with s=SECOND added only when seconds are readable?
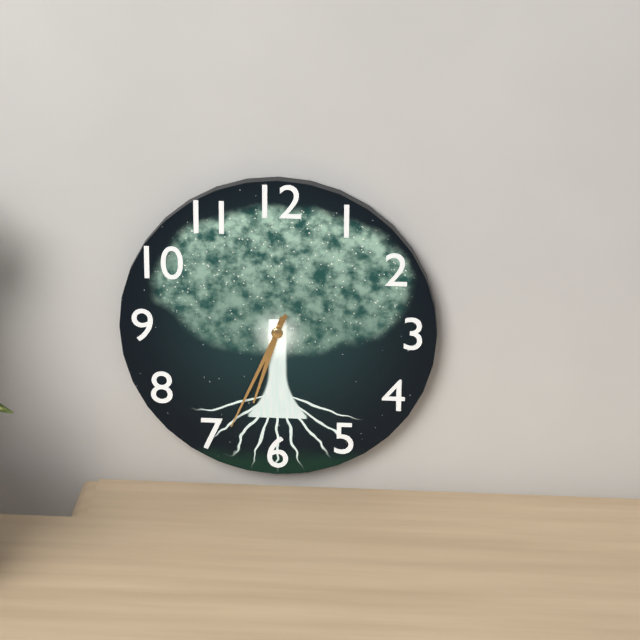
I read h=6 m=34
